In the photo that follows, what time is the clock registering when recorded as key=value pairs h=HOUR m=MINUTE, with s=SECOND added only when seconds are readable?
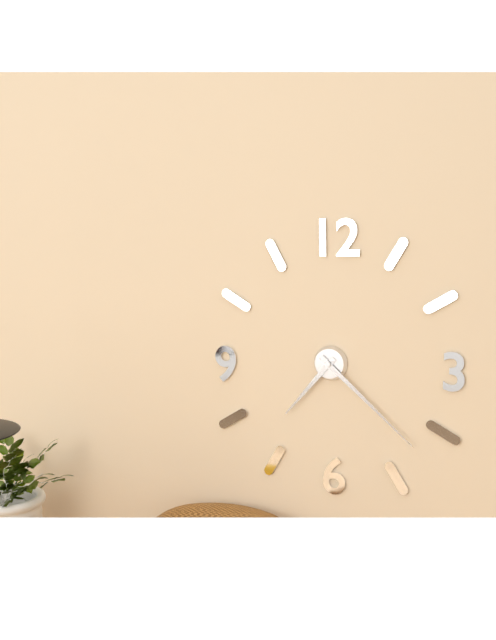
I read h=7 m=22
